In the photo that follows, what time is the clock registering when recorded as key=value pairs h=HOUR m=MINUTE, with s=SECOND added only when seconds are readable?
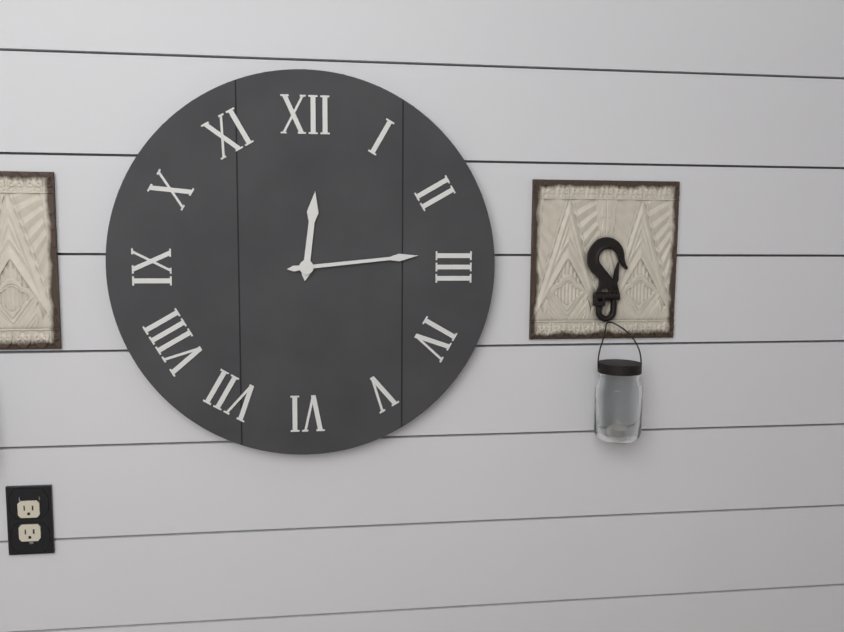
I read h=12 m=14
